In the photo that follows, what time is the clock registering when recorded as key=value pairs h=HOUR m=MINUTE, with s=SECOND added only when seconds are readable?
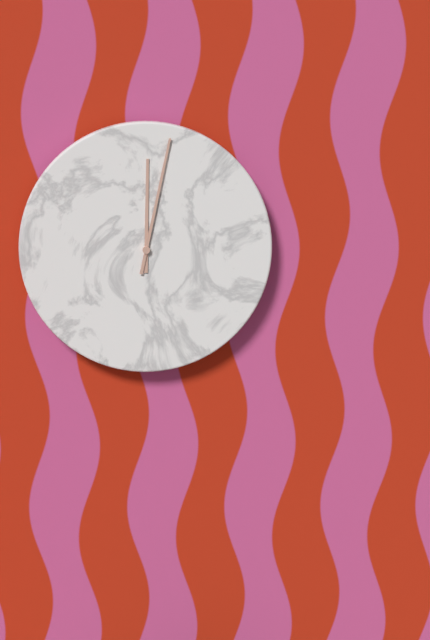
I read h=12 m=2
